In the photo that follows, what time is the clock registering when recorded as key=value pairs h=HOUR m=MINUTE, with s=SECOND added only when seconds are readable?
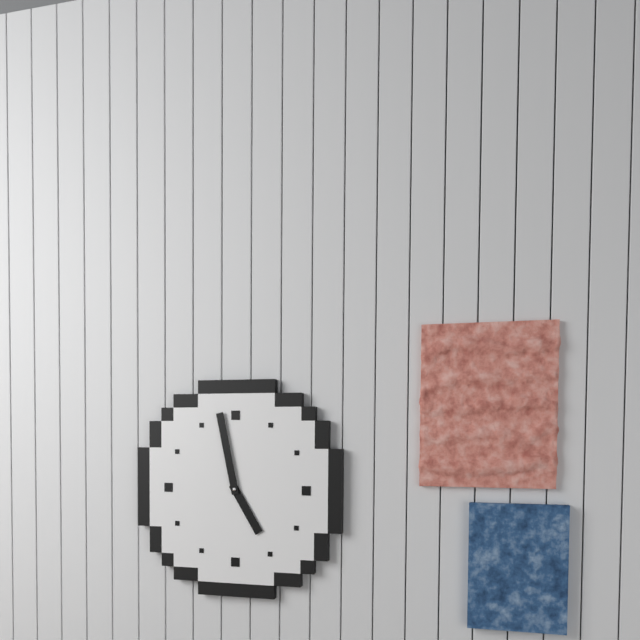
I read h=4 m=58
